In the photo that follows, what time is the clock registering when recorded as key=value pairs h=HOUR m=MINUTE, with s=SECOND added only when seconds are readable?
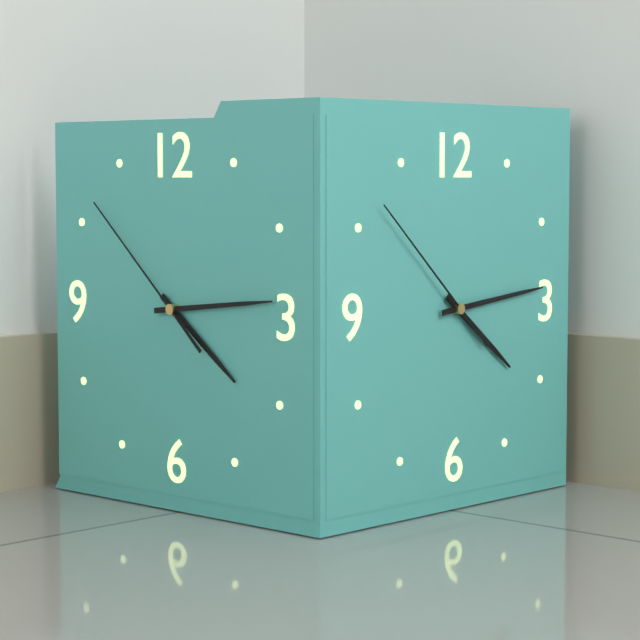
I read h=4 m=14 s=52
